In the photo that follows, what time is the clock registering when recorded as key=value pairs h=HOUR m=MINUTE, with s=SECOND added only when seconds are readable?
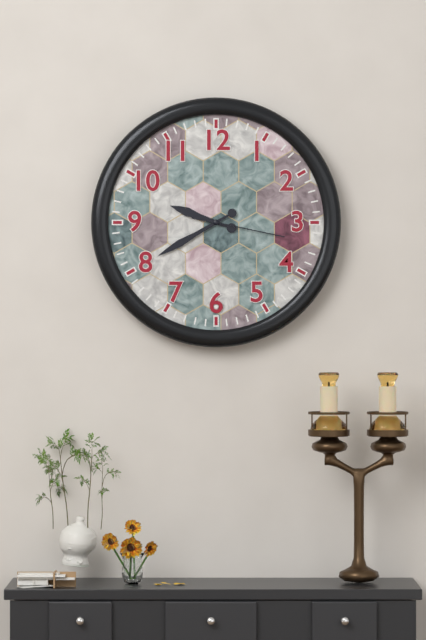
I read h=9 m=40 s=17
